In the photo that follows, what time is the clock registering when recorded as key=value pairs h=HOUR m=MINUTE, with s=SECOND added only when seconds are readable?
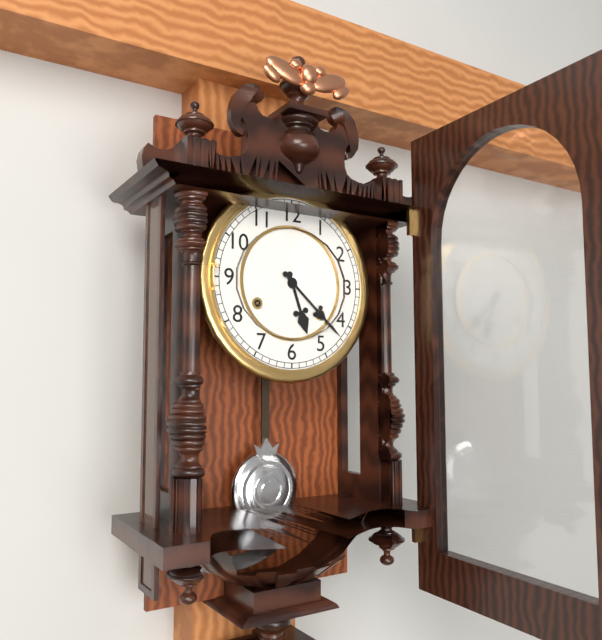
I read h=5 m=22
